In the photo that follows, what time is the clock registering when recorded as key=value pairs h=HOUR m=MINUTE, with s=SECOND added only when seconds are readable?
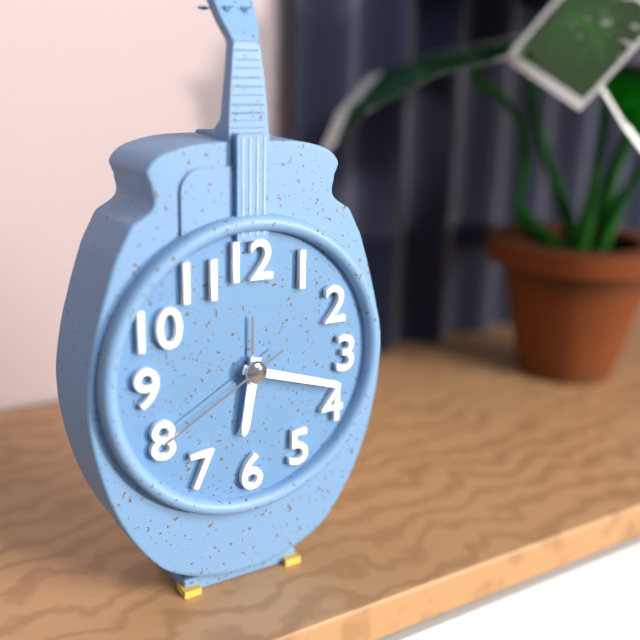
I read h=6 m=18 s=40
